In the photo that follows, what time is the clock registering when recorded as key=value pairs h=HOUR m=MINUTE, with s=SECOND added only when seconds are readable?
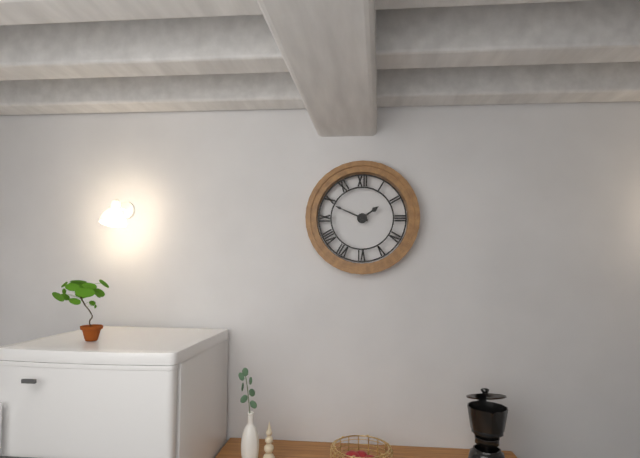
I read h=1 m=49
